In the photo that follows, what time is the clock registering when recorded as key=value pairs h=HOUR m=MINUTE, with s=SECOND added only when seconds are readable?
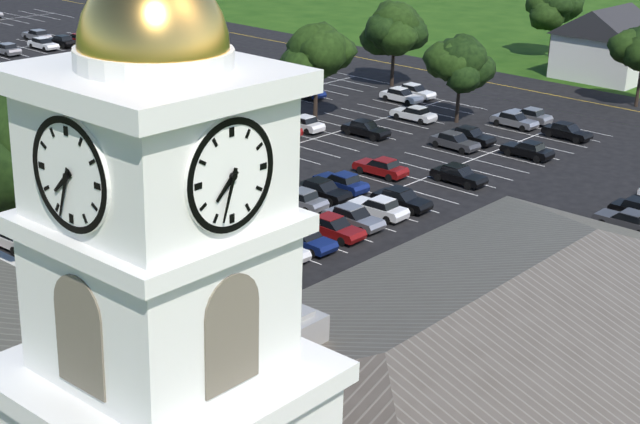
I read h=7 m=33
